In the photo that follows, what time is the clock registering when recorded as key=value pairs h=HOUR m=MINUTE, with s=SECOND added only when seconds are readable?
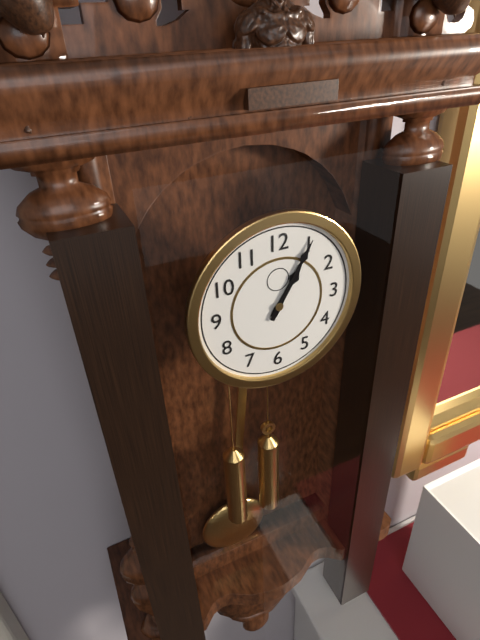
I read h=1 m=5
